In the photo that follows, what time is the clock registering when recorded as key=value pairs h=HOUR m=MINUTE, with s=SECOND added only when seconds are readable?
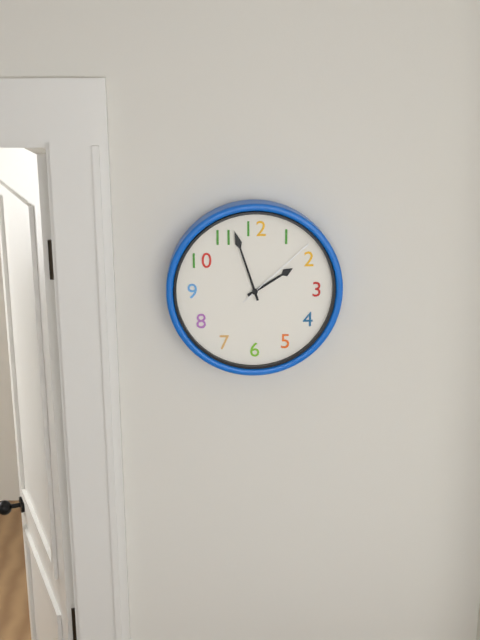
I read h=1 m=57 s=8
